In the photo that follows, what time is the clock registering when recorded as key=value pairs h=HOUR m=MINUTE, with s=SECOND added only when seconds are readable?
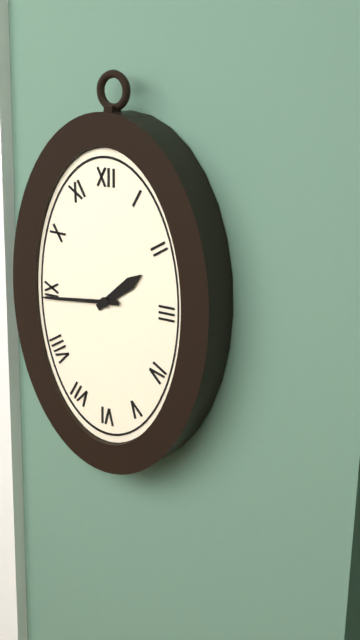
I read h=1 m=44
